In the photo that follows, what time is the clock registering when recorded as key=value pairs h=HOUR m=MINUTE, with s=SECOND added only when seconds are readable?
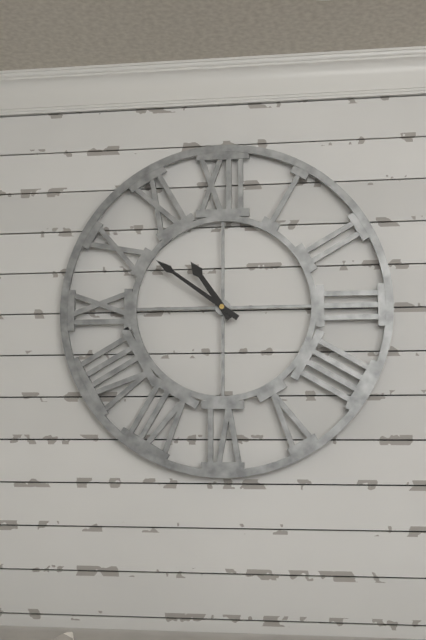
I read h=10 m=51
